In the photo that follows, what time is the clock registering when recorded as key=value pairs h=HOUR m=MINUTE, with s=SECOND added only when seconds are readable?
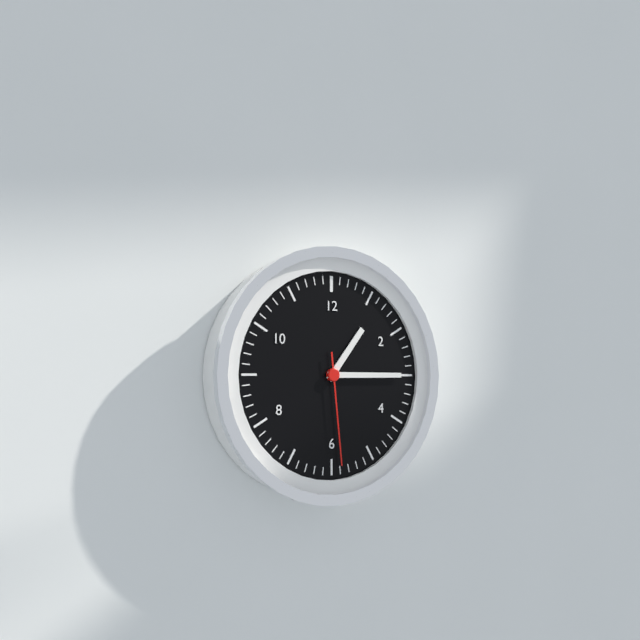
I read h=1 m=15 s=29
